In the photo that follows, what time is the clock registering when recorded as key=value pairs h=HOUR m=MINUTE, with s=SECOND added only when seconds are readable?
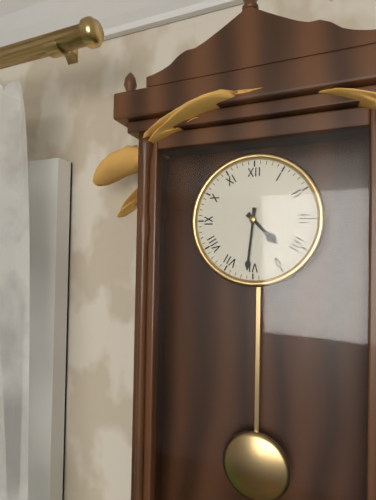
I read h=4 m=31
